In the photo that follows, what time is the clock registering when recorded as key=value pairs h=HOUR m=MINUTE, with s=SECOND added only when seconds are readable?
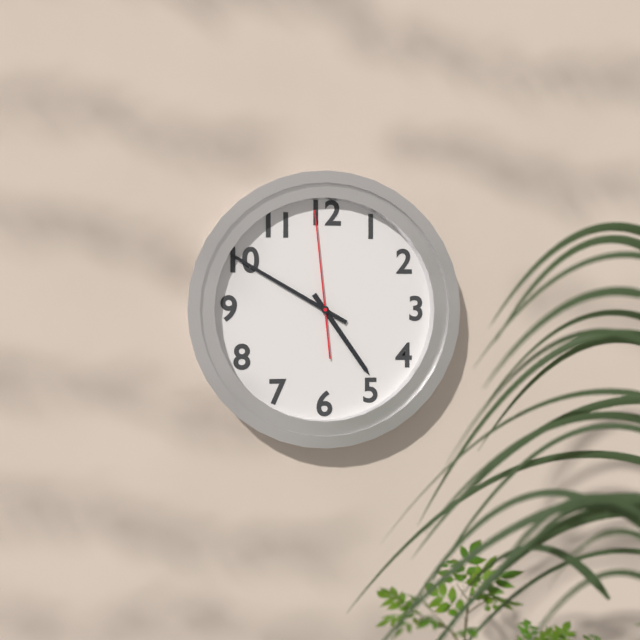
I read h=4 m=50 s=59
